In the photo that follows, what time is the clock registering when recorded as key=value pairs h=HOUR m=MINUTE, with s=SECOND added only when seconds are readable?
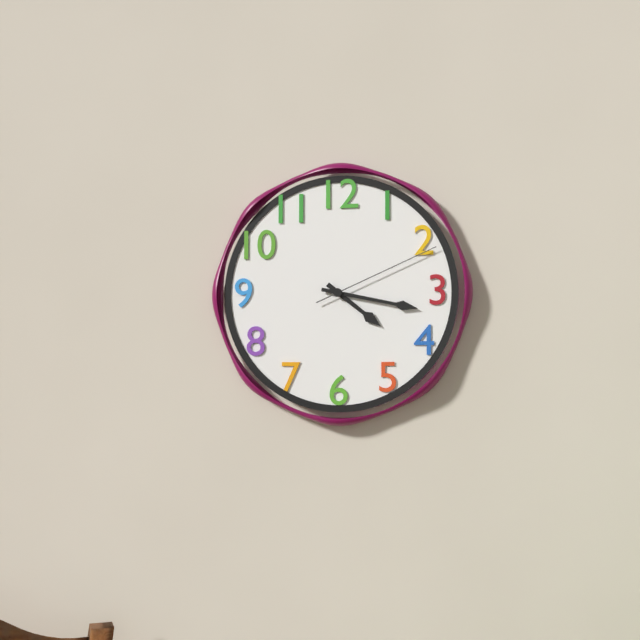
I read h=4 m=17 s=11
